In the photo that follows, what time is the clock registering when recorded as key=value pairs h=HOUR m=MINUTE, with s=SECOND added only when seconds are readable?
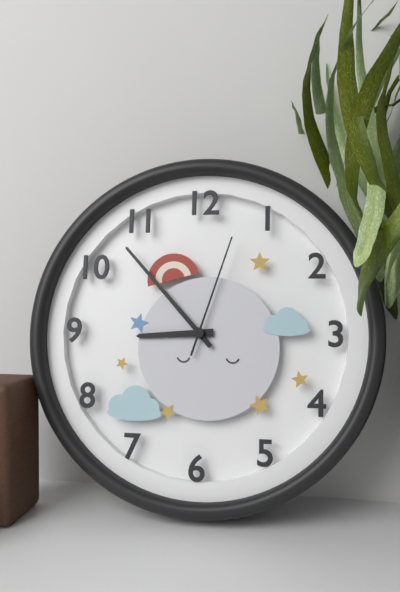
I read h=8 m=53 s=3
